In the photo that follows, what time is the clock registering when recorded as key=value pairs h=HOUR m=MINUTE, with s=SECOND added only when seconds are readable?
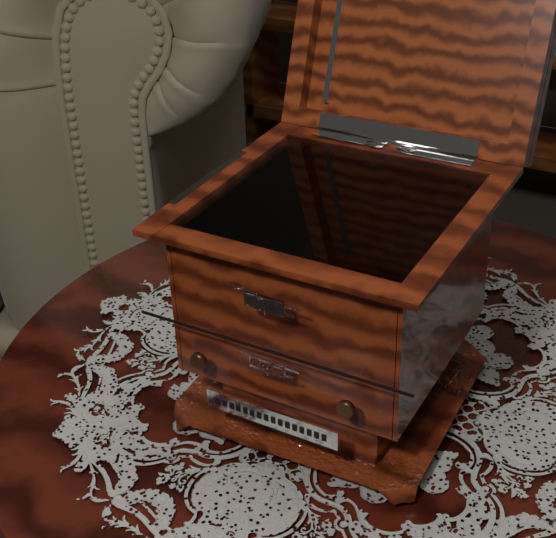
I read h=12 m=1
